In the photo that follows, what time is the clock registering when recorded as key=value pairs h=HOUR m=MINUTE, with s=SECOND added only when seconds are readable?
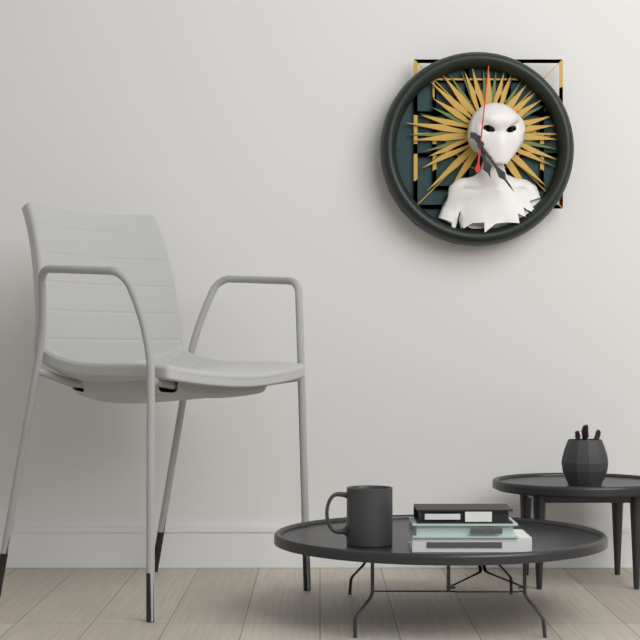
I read h=5 m=24 s=1
